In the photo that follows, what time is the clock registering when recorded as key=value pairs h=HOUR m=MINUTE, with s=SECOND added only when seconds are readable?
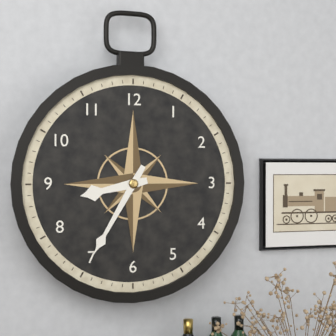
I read h=8 m=35
